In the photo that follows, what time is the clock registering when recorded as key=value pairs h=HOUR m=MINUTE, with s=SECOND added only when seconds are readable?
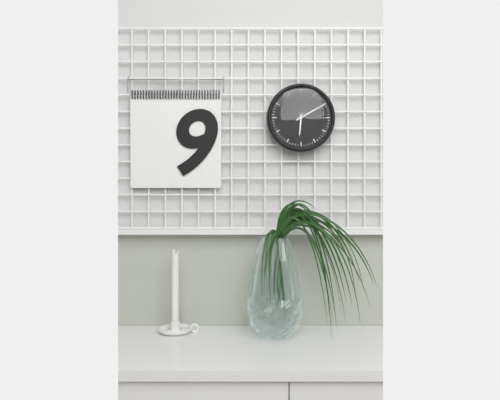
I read h=6 m=10
